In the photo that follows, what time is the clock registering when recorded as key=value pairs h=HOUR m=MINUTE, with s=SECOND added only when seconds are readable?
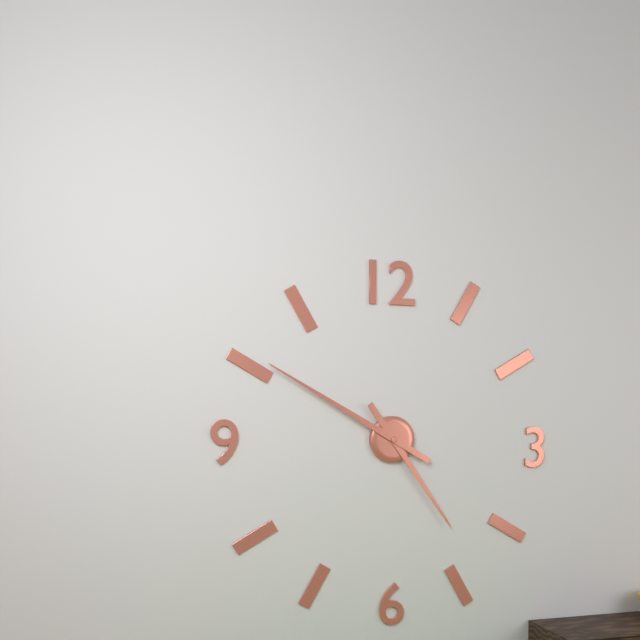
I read h=4 m=50
